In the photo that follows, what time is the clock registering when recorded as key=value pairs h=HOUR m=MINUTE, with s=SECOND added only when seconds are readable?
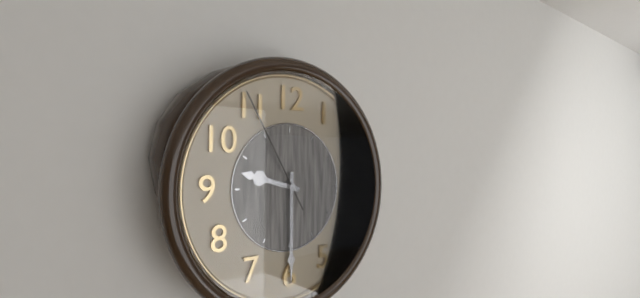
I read h=9 m=30 s=55
